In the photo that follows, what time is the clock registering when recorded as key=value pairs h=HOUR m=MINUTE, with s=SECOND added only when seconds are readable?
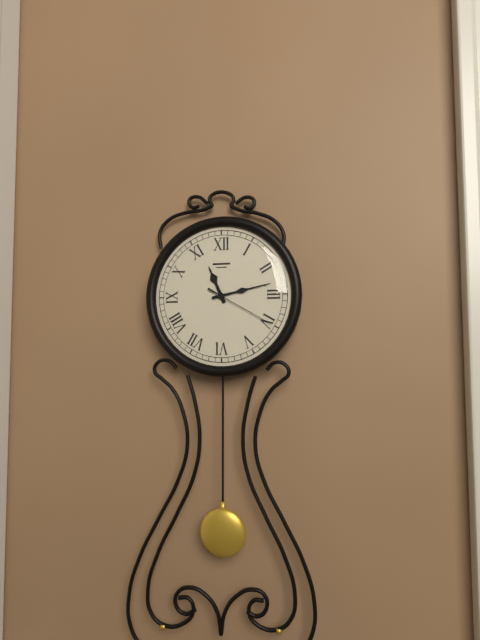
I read h=11 m=13 s=20
